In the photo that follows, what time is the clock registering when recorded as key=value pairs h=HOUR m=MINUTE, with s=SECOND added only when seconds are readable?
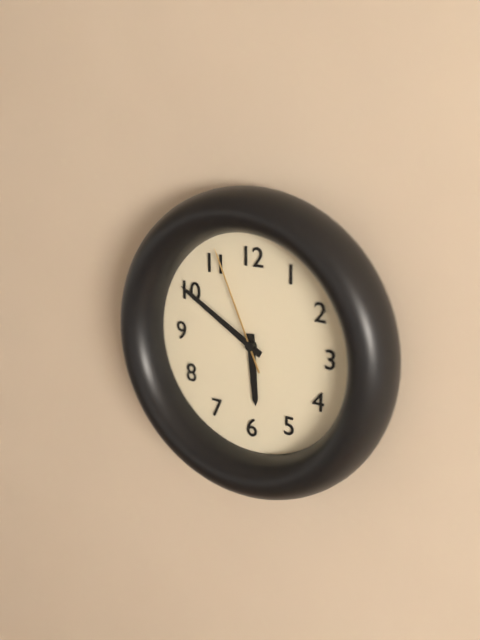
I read h=5 m=50 s=56
